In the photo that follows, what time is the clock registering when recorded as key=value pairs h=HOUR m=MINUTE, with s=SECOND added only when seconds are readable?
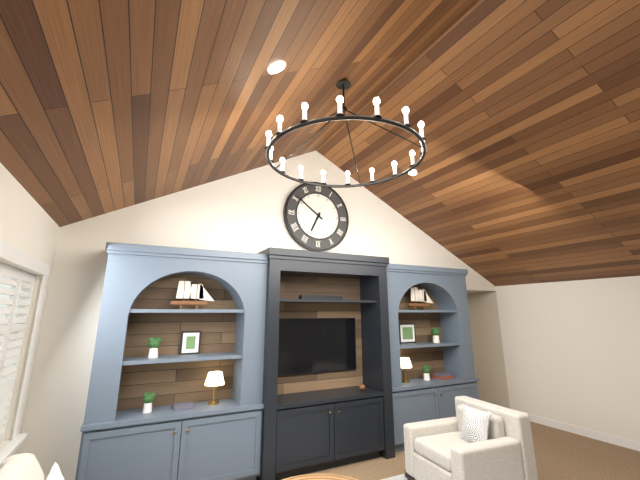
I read h=6 m=51
